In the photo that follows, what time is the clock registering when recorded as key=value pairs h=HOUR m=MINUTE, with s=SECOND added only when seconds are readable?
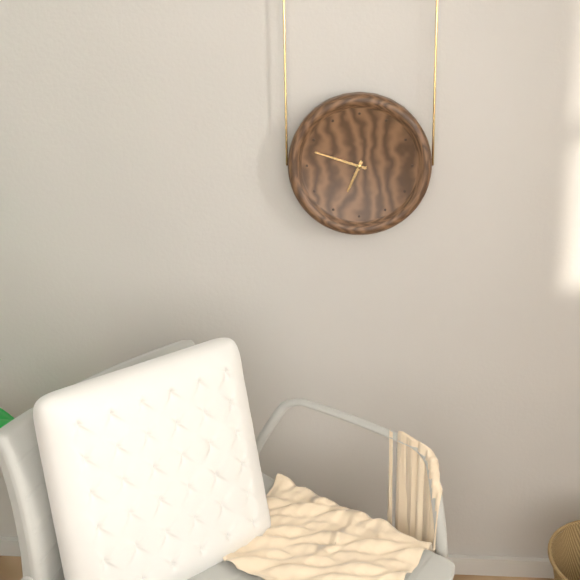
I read h=6 m=48
